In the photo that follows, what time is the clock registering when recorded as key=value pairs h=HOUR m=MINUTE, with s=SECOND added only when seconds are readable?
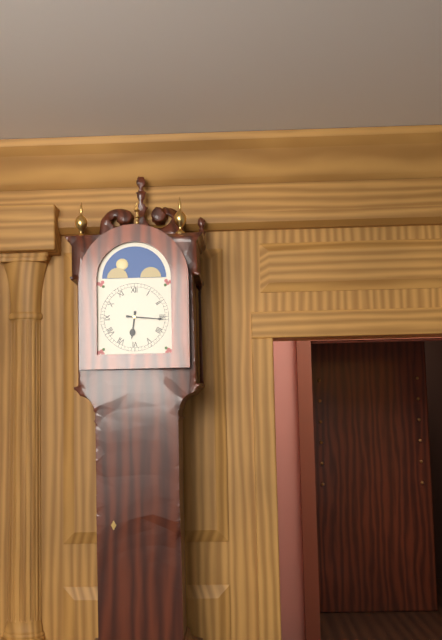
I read h=6 m=16
